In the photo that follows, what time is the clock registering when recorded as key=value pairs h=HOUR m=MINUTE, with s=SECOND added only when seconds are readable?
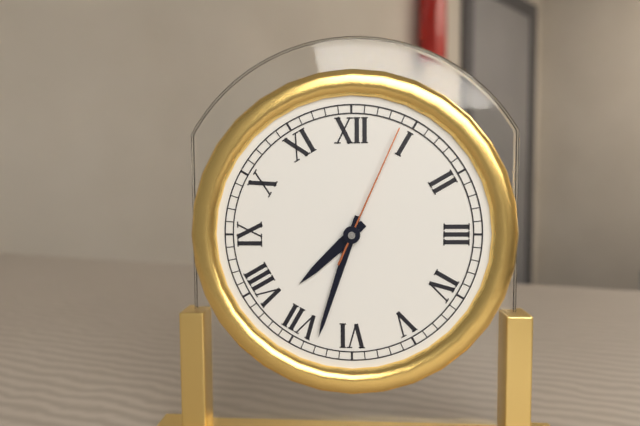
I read h=7 m=33 s=4
